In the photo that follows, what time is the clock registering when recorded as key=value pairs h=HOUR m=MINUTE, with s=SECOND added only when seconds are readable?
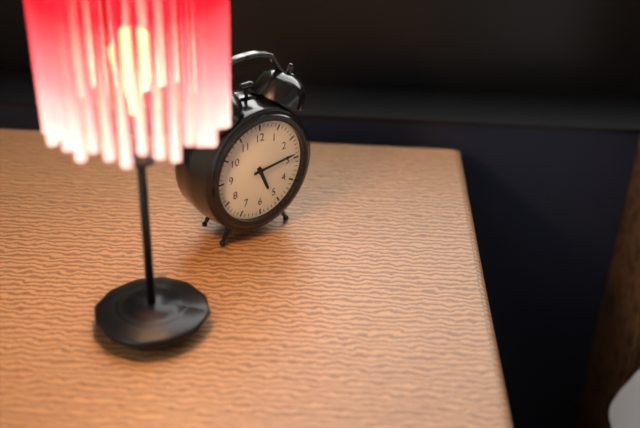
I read h=5 m=14
